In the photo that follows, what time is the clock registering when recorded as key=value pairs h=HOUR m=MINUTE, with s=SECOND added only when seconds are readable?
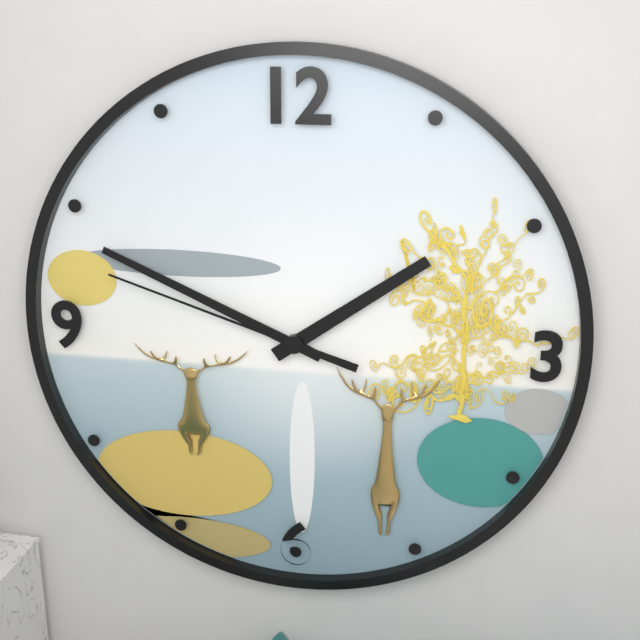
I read h=1 m=49 s=48
